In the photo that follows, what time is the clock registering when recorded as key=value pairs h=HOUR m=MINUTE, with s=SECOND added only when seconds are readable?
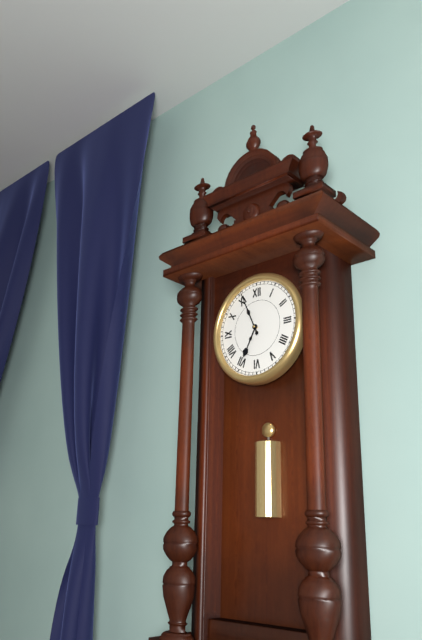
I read h=6 m=56
